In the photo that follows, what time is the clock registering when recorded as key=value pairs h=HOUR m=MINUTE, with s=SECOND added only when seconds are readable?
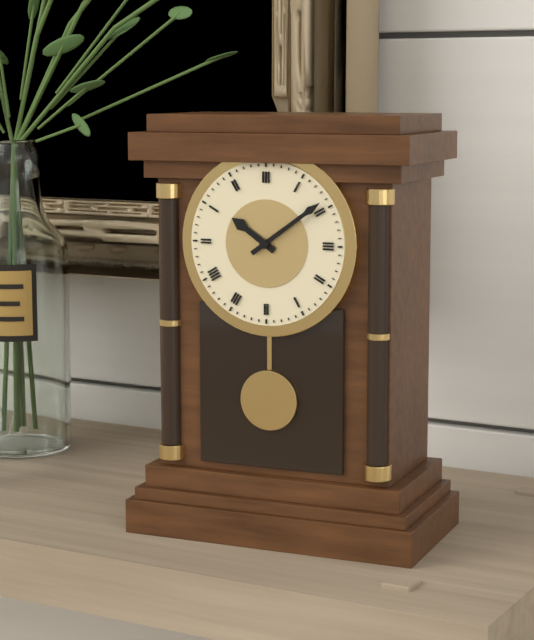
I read h=10 m=9
